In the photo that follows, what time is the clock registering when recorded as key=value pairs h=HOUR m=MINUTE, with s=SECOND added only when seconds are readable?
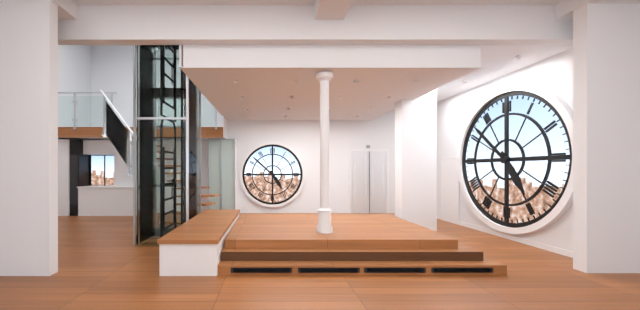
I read h=4 m=52
